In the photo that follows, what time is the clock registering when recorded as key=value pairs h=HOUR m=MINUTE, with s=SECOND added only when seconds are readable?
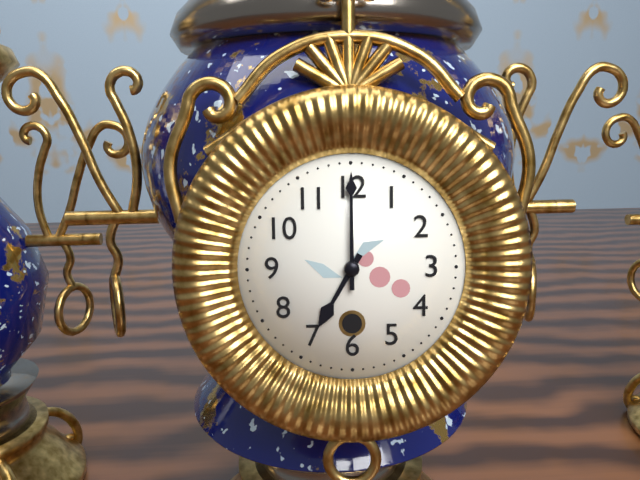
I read h=7 m=0
